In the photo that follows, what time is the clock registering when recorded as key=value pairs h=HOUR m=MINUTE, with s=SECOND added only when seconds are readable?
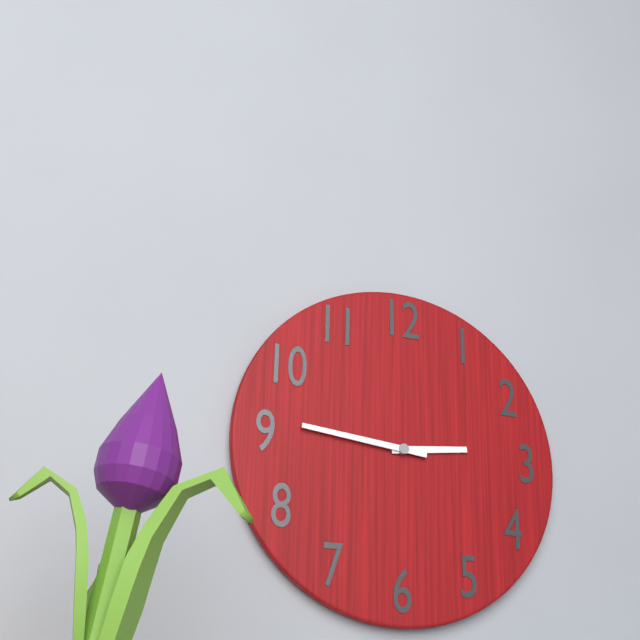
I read h=2 m=46
